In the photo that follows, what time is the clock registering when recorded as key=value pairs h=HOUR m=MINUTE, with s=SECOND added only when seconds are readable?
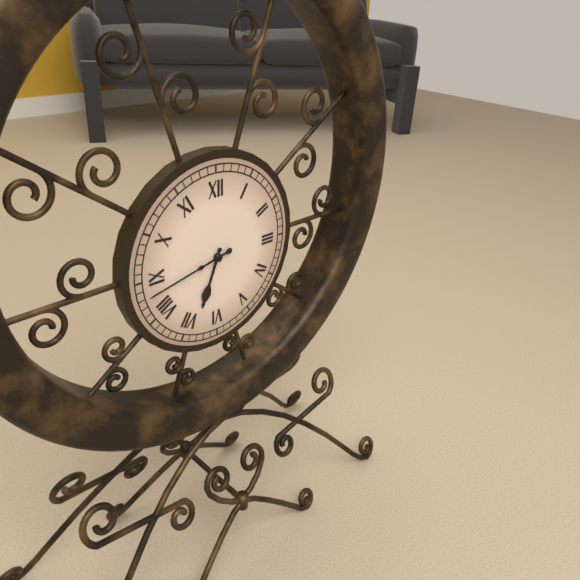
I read h=6 m=43
